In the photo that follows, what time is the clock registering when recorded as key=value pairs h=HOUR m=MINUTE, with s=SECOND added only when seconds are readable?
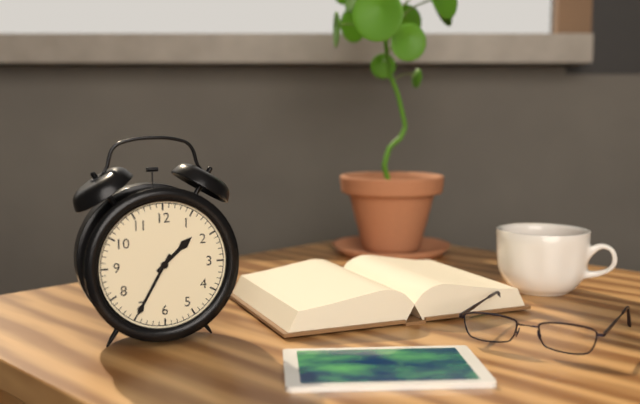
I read h=1 m=35
